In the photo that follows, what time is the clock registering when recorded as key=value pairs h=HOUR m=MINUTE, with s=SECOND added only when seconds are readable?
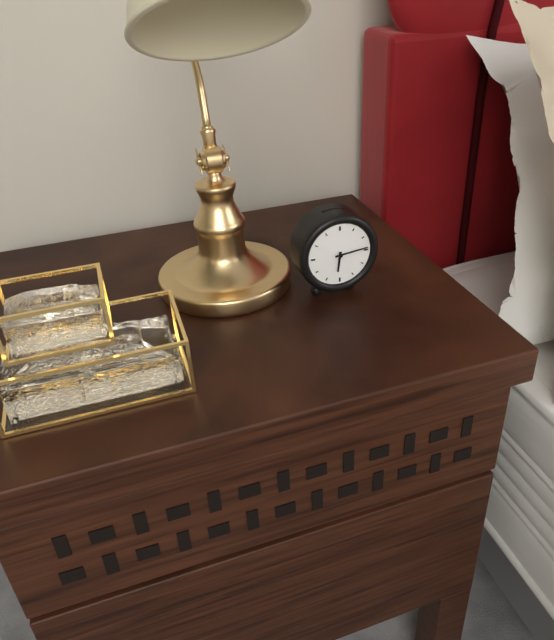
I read h=6 m=14
